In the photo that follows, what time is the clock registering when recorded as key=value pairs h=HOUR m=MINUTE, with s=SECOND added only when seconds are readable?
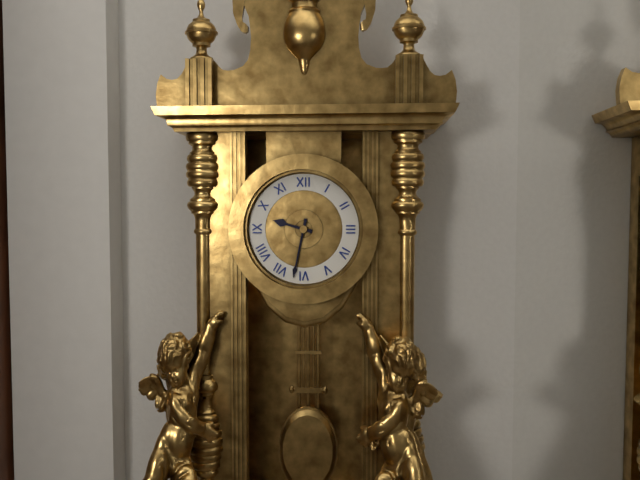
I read h=9 m=32
